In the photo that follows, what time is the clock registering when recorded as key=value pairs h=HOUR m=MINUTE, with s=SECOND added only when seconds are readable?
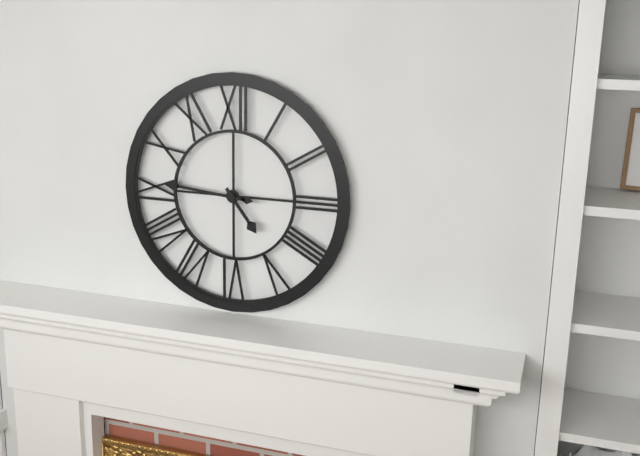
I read h=4 m=46
